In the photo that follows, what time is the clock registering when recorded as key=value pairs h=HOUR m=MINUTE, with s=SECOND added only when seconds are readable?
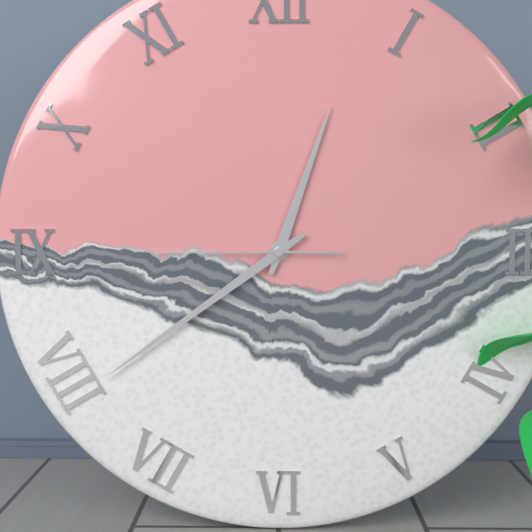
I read h=12 m=39 s=45
